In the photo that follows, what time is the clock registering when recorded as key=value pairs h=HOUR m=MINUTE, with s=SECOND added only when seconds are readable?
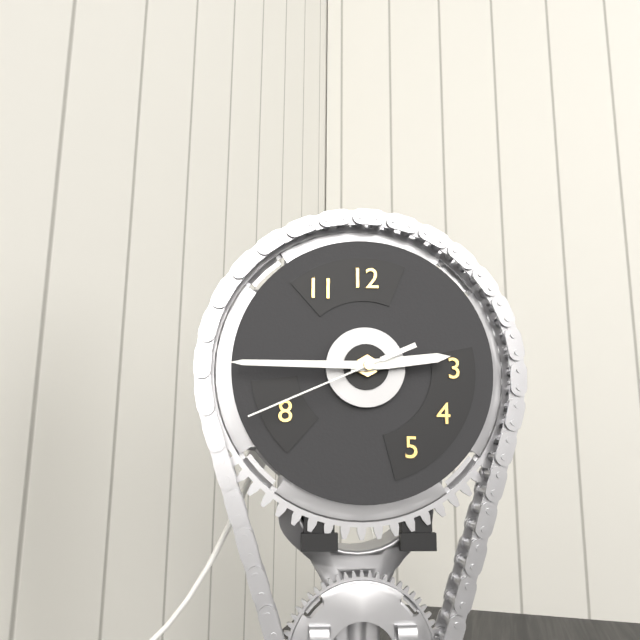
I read h=2 m=45 s=41
